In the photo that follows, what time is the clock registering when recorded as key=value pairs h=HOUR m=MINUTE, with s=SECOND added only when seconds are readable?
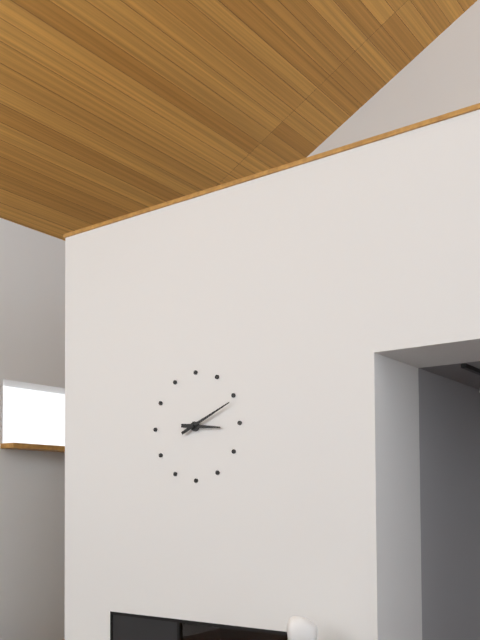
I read h=3 m=11
